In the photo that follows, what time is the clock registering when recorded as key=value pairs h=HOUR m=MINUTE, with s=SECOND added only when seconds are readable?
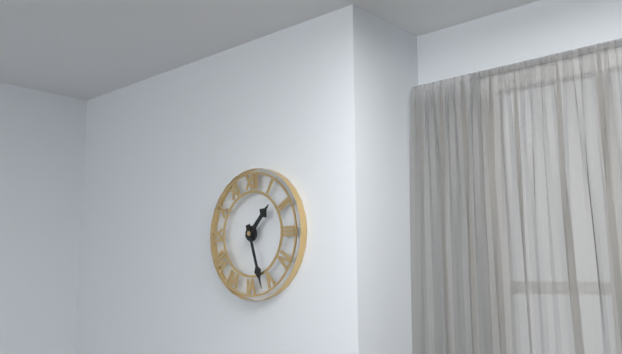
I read h=1 m=27
